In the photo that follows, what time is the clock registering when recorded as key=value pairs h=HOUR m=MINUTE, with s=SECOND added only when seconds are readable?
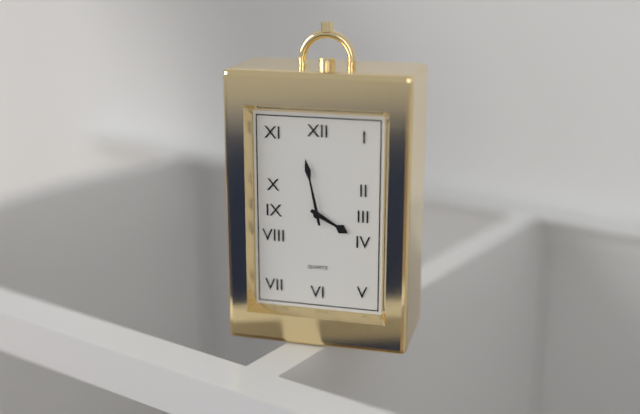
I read h=3 m=58
